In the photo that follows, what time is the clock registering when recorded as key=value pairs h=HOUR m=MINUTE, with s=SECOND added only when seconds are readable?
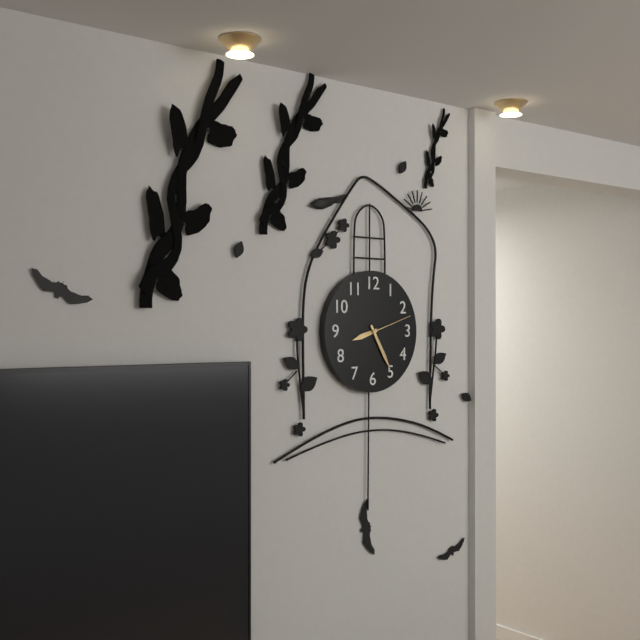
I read h=8 m=25 s=12
